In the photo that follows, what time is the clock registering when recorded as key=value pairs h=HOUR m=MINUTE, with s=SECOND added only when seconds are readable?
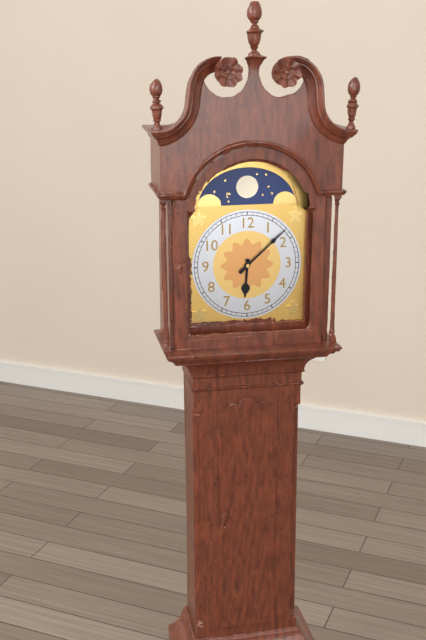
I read h=6 m=8
